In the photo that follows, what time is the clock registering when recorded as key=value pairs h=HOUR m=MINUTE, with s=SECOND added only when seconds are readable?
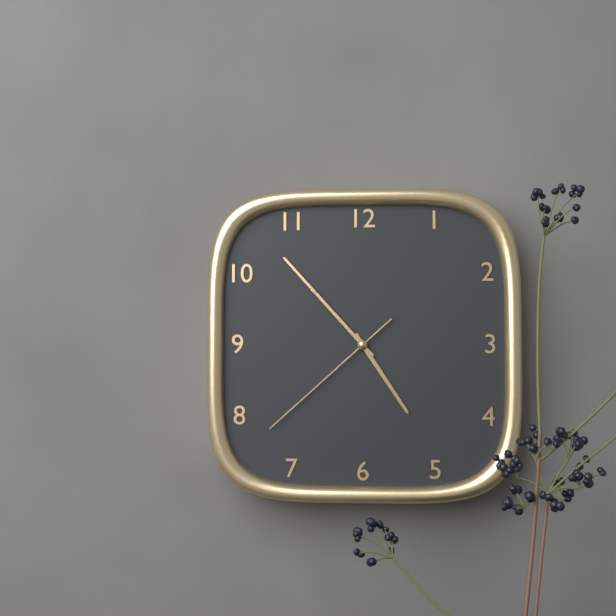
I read h=4 m=53 s=38
